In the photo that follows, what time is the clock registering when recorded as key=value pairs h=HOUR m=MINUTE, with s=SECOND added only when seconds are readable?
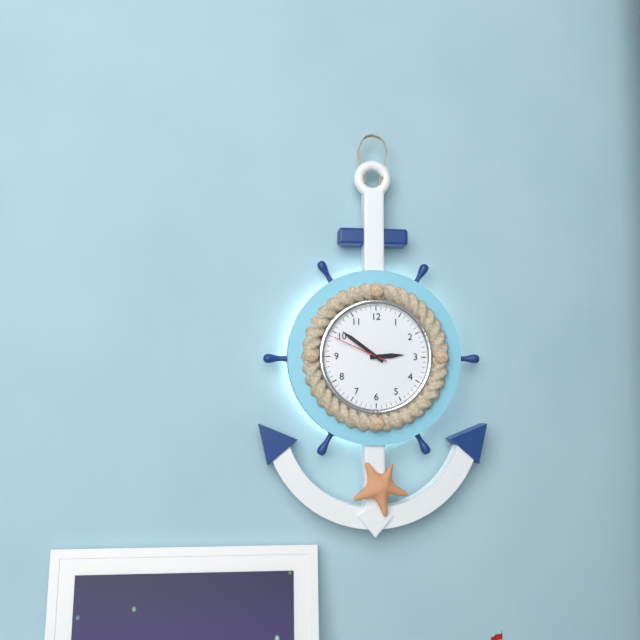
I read h=2 m=51 s=49
